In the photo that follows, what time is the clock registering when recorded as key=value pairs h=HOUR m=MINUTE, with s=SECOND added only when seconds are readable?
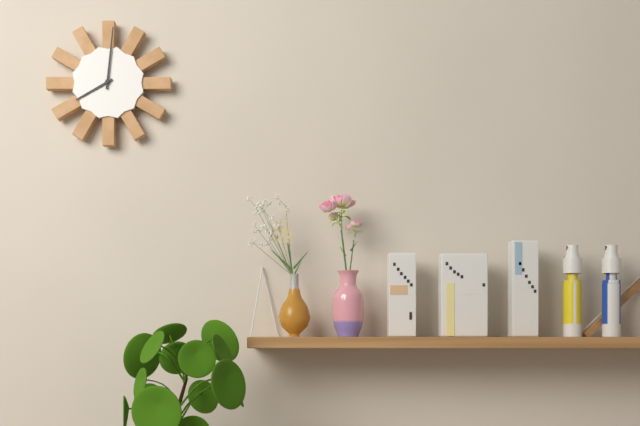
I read h=8 m=1
